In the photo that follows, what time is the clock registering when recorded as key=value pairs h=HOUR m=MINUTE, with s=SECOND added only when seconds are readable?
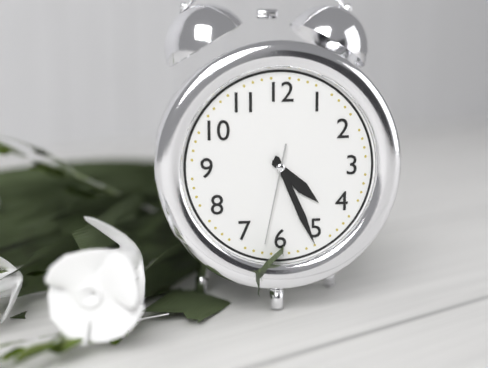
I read h=4 m=26 s=32
